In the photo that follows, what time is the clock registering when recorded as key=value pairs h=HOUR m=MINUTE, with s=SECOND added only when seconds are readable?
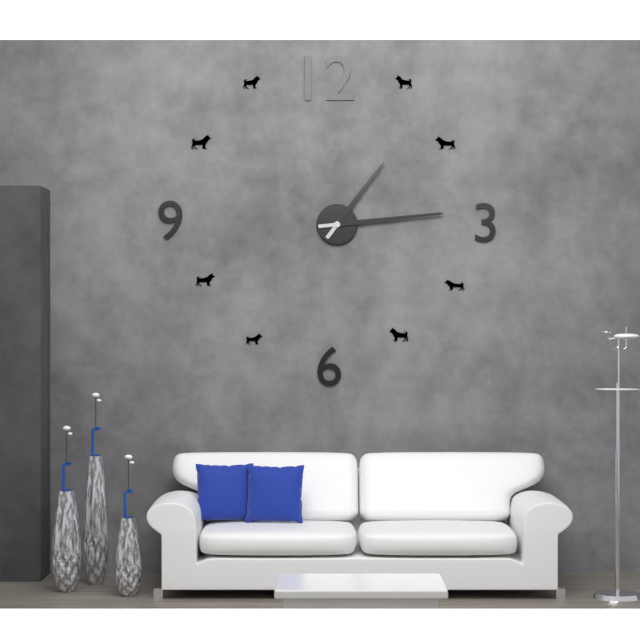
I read h=1 m=14
